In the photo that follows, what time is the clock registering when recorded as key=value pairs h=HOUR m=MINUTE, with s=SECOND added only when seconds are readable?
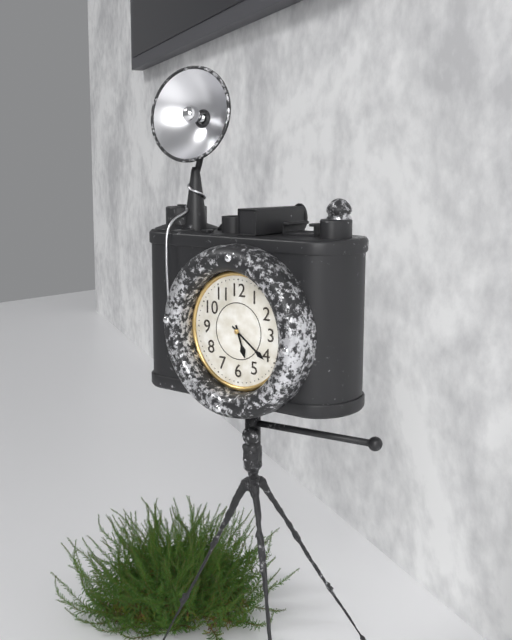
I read h=5 m=21
